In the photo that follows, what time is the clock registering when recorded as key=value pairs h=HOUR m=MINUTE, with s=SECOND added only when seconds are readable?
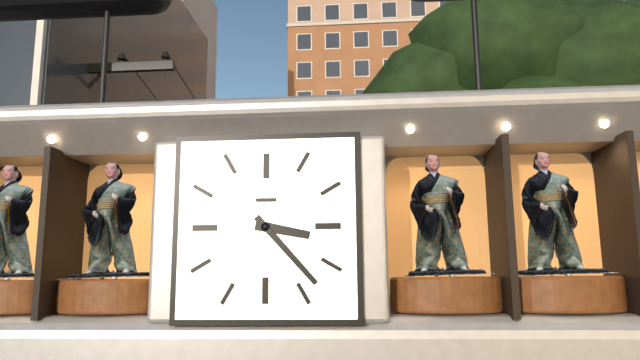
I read h=3 m=23
